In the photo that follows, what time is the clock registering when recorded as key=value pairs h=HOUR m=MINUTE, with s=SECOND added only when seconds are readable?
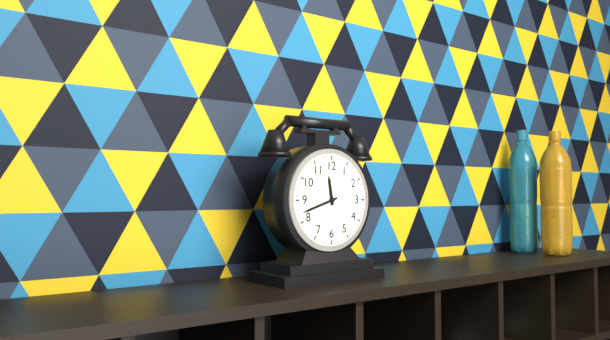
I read h=11 m=42
